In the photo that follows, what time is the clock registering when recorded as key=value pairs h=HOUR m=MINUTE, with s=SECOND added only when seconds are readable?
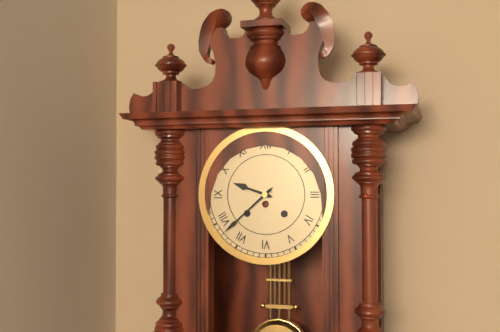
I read h=9 m=38
